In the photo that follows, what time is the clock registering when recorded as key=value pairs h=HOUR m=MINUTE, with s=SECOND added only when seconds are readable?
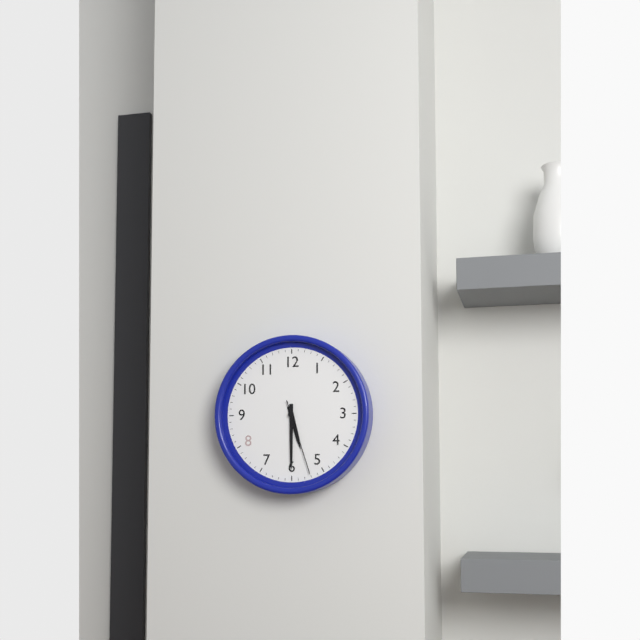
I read h=5 m=30 s=27
